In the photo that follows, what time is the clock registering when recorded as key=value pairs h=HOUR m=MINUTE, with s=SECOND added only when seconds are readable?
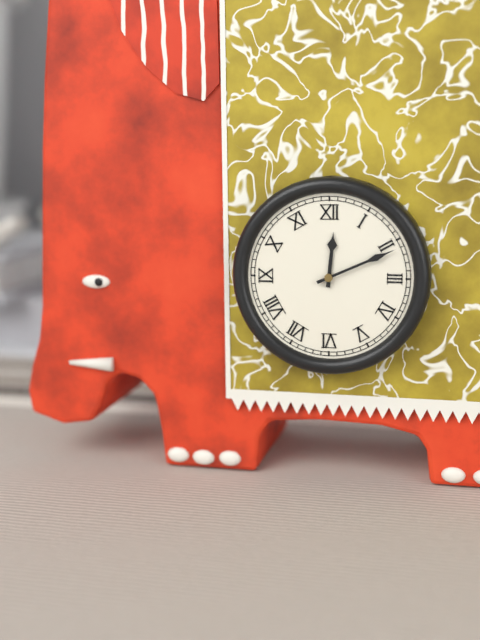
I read h=12 m=11
